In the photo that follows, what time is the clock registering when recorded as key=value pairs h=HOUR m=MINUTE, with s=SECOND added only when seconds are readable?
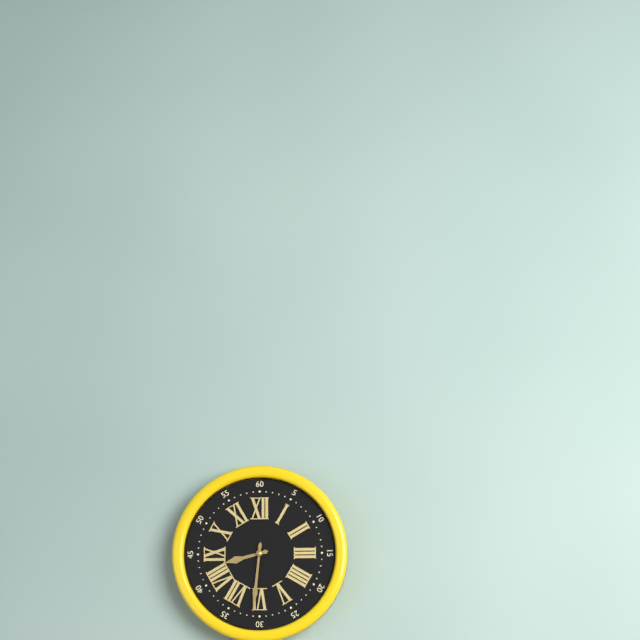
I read h=8 m=31
